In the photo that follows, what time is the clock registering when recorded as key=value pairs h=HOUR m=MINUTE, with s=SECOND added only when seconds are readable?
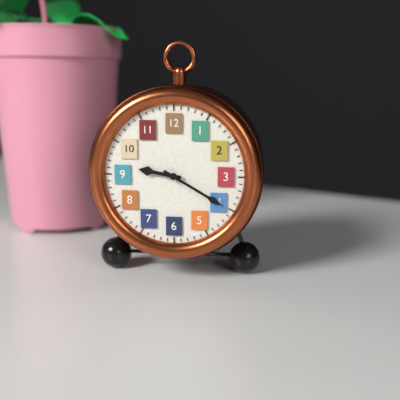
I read h=9 m=20
